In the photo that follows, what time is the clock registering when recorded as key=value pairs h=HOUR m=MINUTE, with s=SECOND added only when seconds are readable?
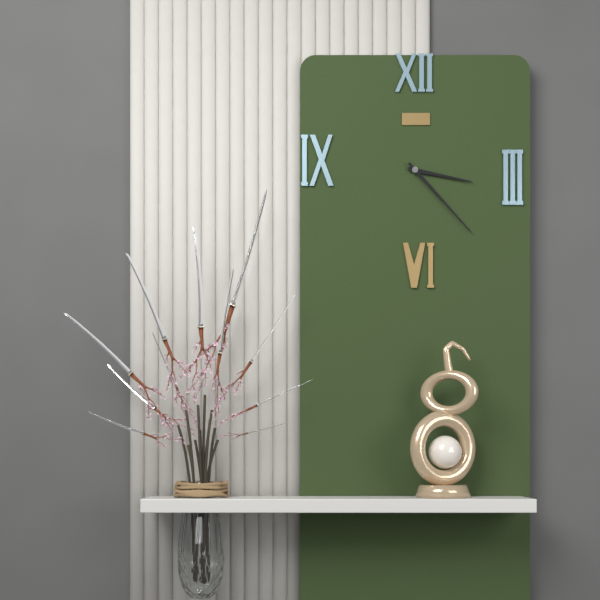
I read h=3 m=23
